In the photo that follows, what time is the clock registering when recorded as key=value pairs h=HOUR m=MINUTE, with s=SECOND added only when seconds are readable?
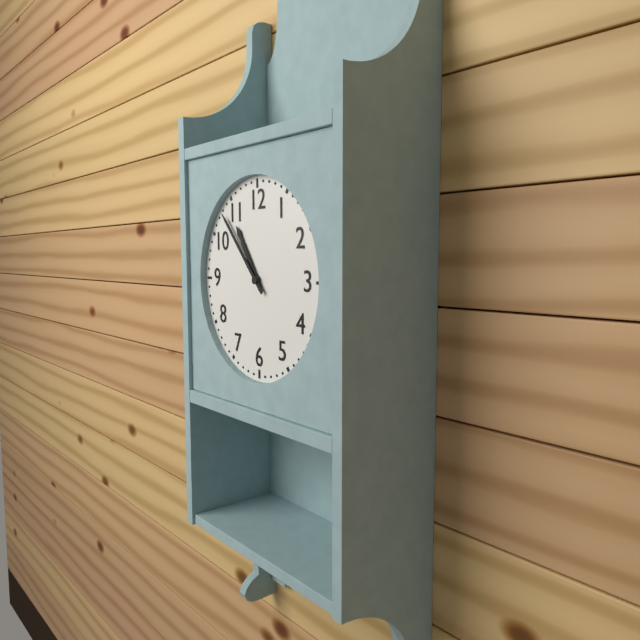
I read h=10 m=53
